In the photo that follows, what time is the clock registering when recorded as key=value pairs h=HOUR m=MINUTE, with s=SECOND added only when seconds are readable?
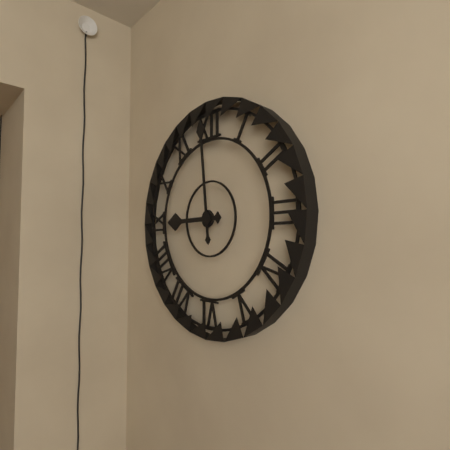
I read h=8 m=59
